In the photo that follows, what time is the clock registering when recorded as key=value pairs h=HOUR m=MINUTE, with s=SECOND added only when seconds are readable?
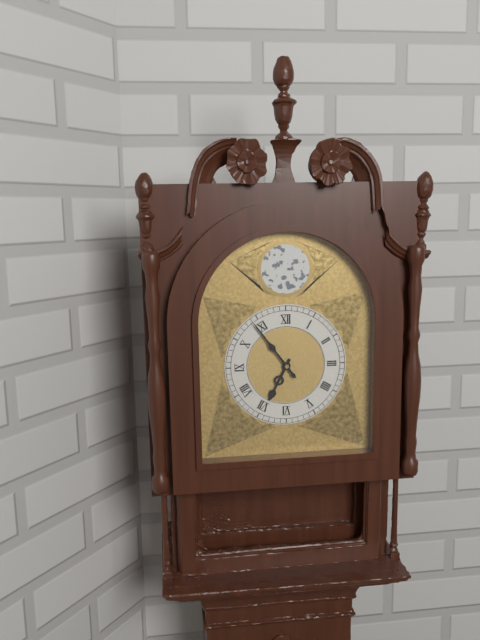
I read h=6 m=54
